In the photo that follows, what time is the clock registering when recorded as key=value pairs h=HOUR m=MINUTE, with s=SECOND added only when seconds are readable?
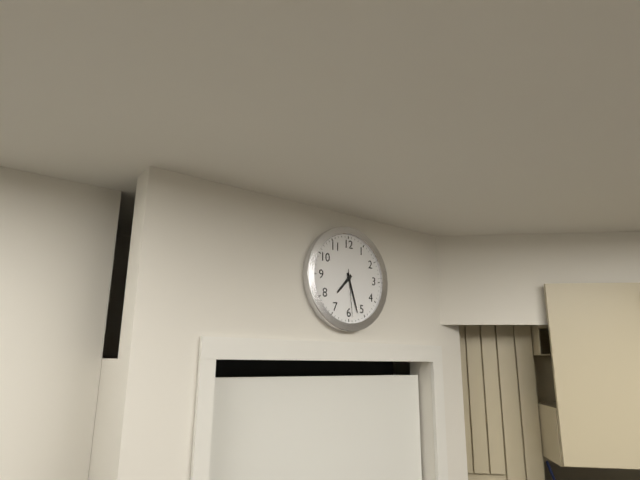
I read h=7 m=27
